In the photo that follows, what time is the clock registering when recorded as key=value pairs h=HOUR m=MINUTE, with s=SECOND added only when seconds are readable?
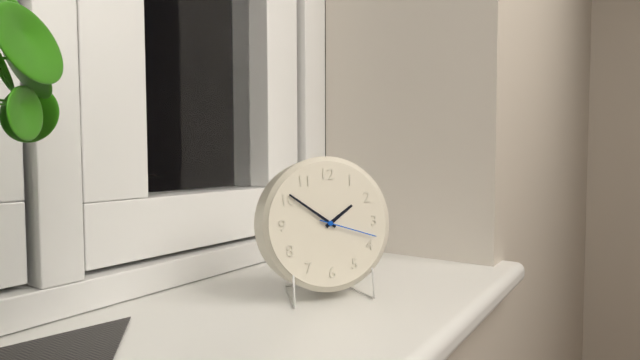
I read h=1 m=51 s=18
